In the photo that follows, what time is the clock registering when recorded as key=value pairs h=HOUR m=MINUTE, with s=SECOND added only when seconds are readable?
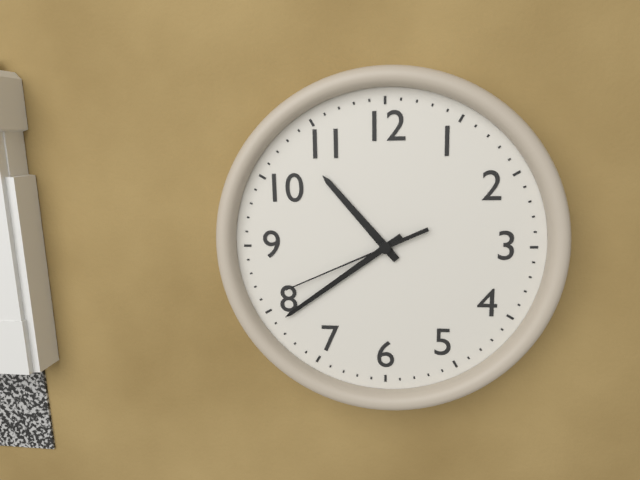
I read h=10 m=39 s=41
